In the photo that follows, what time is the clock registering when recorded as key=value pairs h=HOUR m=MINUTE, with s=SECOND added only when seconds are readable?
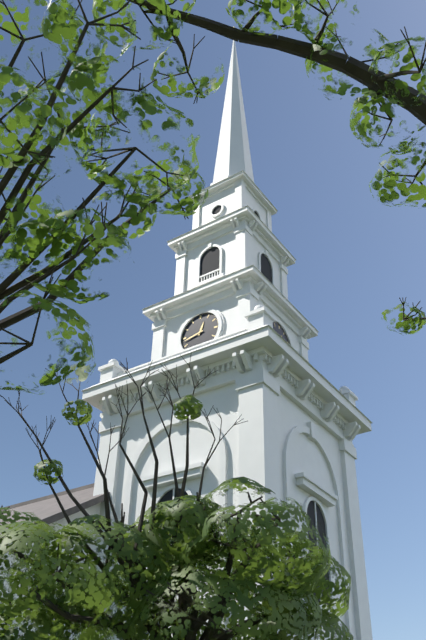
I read h=12 m=43
